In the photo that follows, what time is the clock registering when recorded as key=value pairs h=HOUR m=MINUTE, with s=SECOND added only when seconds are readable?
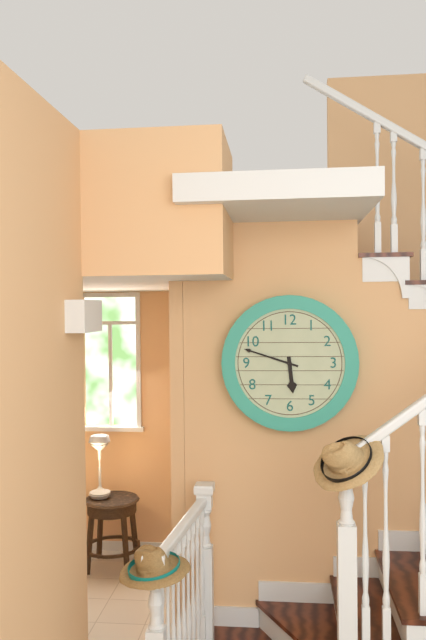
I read h=5 m=48
